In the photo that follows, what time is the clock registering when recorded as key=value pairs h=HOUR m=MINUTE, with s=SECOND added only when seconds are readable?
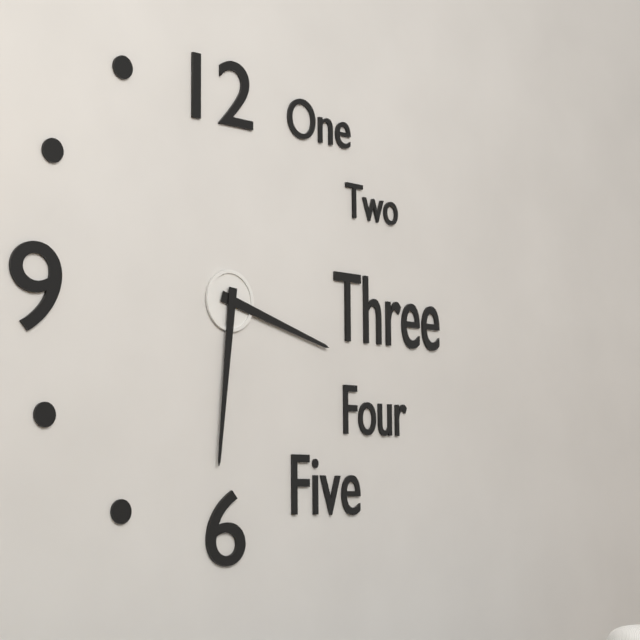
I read h=3 m=31
